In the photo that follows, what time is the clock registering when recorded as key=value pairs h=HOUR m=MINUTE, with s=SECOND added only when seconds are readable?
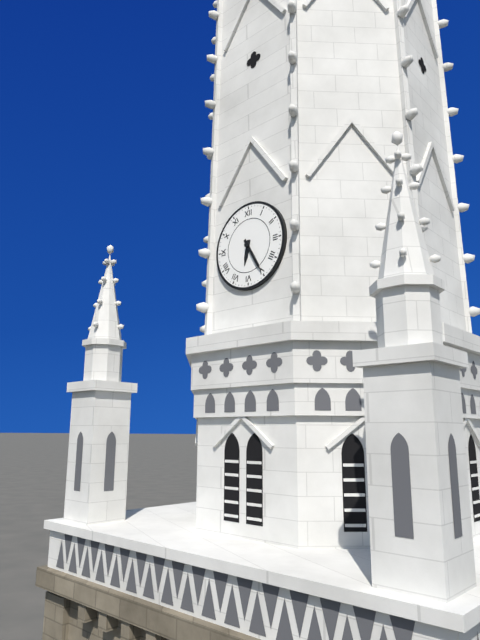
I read h=6 m=25
